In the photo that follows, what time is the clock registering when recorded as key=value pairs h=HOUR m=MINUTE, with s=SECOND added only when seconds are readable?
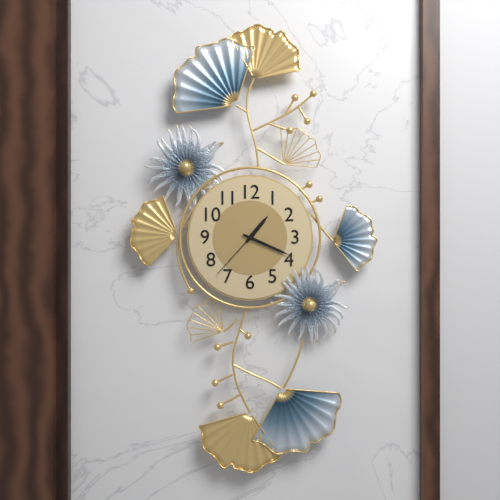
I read h=1 m=19 s=37
